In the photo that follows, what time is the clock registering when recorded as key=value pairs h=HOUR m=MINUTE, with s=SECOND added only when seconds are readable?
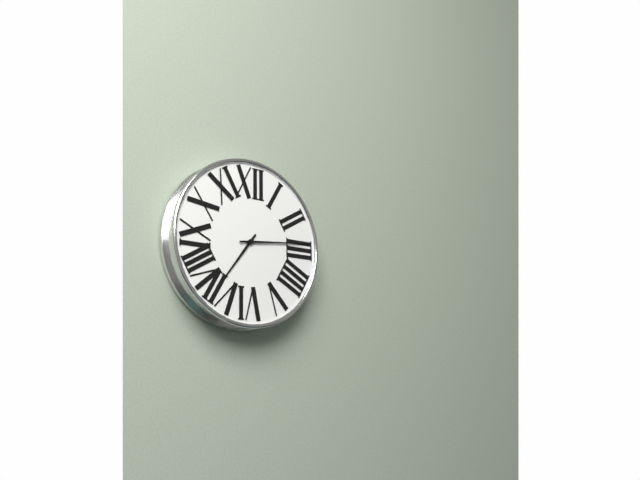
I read h=7 m=14
